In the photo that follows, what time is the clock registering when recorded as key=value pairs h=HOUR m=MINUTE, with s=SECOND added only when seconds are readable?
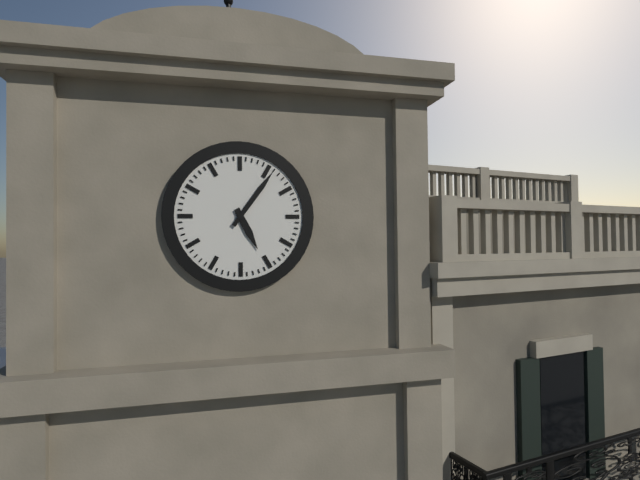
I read h=5 m=6
